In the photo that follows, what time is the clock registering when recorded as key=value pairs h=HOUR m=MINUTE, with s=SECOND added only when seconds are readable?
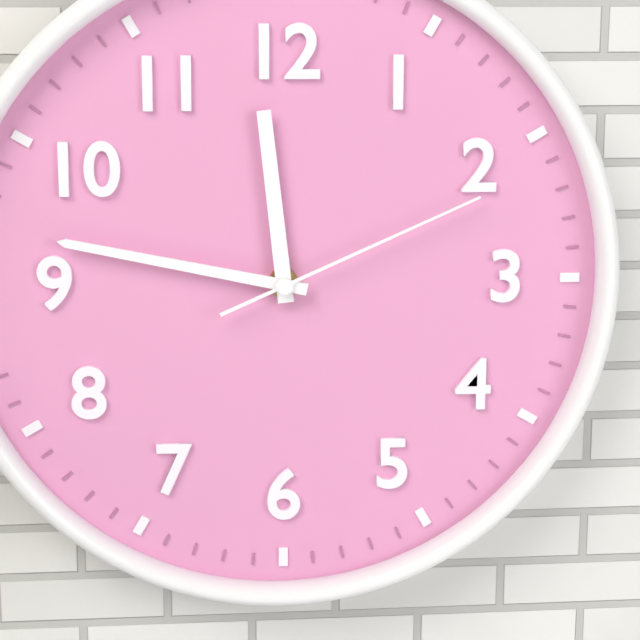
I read h=11 m=47 s=11
